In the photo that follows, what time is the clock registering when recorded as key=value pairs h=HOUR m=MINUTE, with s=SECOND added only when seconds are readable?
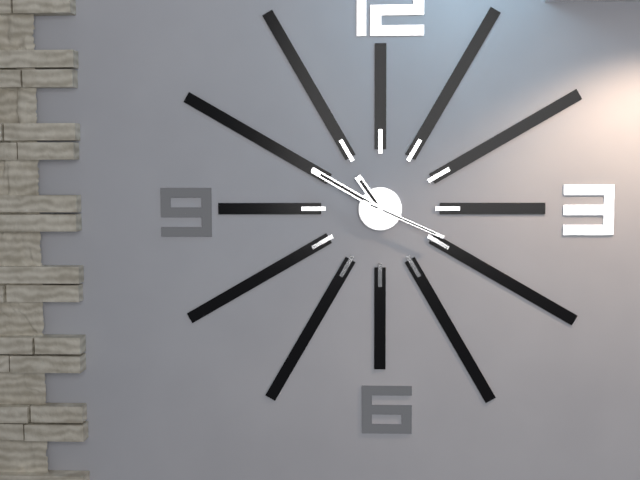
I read h=10 m=50 s=19
